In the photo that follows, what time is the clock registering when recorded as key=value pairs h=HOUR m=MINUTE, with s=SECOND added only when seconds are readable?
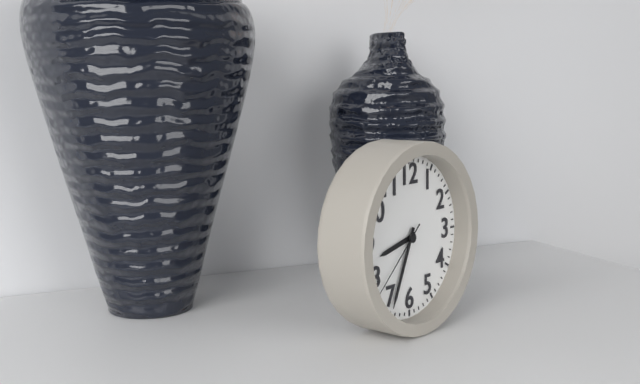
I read h=8 m=34 s=38
